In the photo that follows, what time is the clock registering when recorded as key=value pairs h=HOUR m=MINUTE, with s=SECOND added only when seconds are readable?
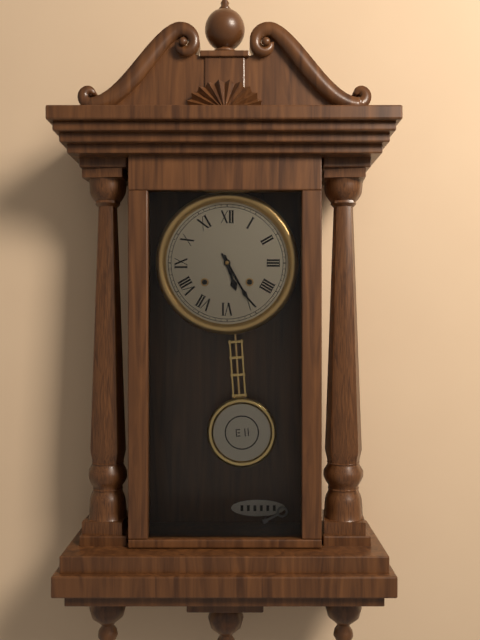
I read h=5 m=25
